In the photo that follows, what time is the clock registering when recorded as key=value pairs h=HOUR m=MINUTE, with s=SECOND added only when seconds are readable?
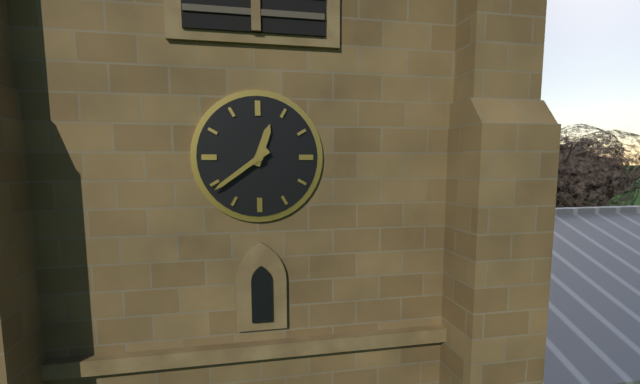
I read h=12 m=39
